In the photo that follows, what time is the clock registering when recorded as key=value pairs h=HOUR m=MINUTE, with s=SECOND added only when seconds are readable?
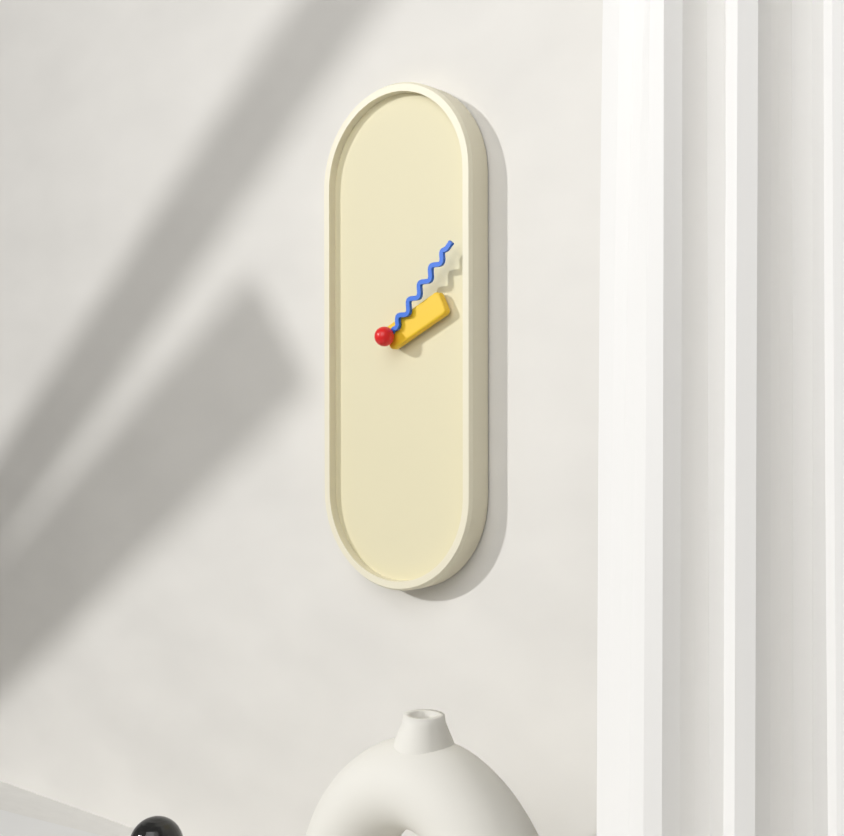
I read h=2 m=7
